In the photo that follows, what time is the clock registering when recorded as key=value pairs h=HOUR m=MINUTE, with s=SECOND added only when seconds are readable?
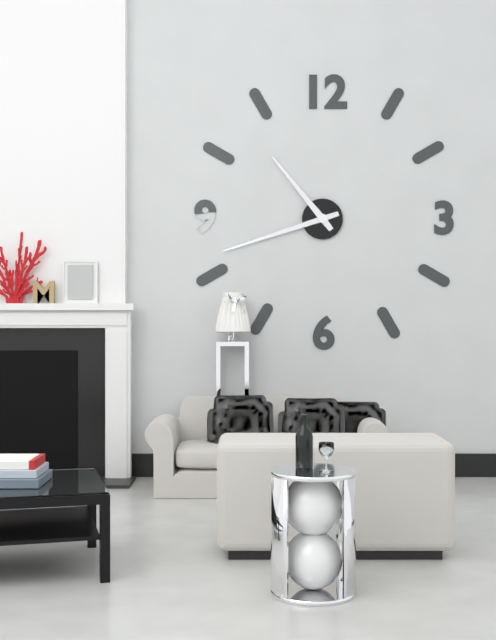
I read h=10 m=42
